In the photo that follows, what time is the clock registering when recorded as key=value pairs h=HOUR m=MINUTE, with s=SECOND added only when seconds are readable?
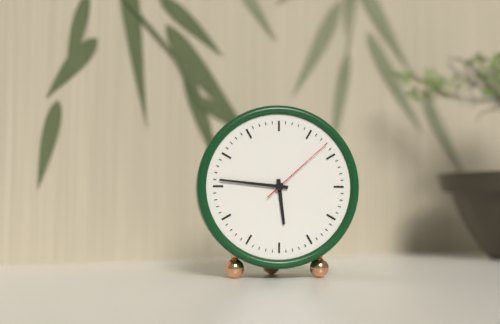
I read h=5 m=46 s=8
